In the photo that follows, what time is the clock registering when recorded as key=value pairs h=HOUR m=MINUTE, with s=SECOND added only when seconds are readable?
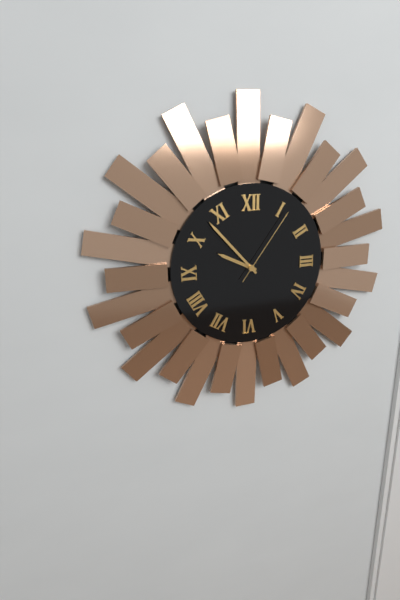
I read h=9 m=53 s=6
